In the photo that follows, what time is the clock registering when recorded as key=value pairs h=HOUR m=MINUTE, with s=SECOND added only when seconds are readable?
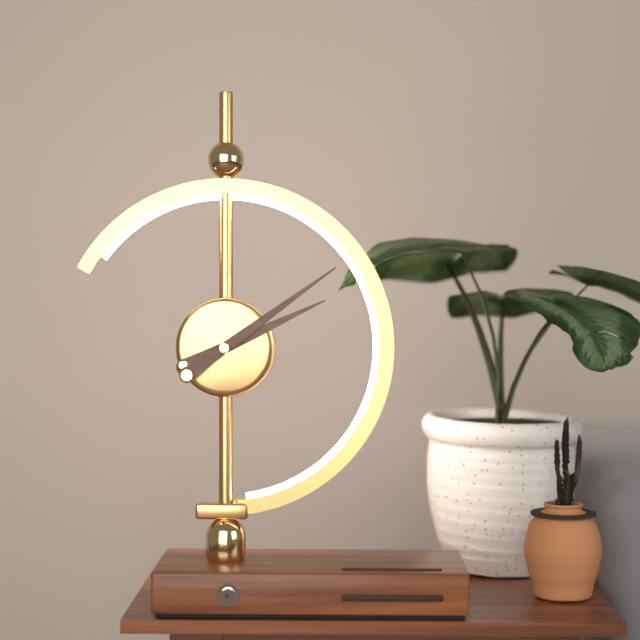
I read h=2 m=9
